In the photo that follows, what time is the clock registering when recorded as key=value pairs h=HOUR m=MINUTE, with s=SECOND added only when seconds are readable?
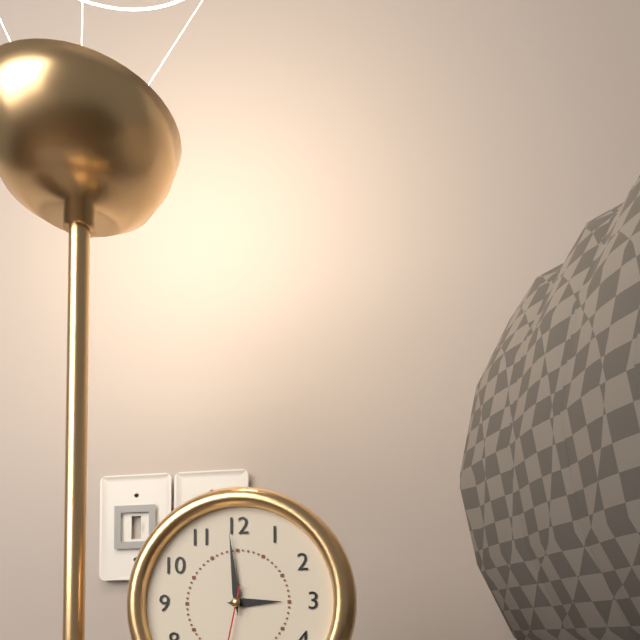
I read h=2 m=59
